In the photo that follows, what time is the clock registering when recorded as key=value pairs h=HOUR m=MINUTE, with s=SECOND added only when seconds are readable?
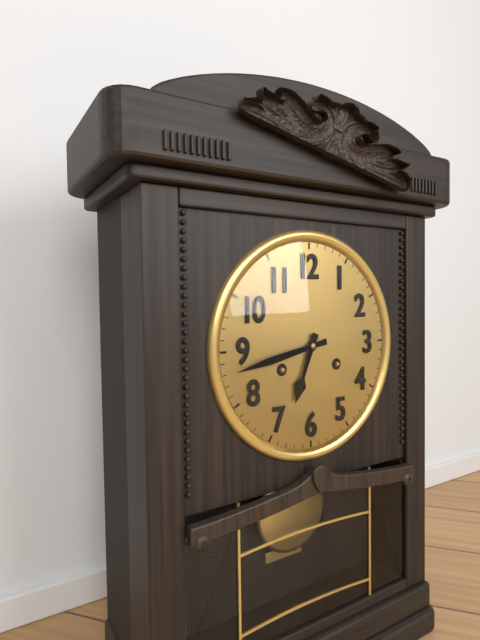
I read h=6 m=43
